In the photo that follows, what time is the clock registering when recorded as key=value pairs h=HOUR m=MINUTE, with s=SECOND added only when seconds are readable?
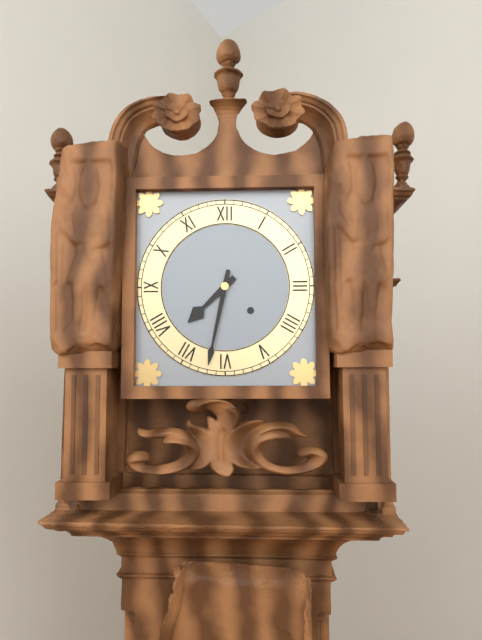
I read h=7 m=32
